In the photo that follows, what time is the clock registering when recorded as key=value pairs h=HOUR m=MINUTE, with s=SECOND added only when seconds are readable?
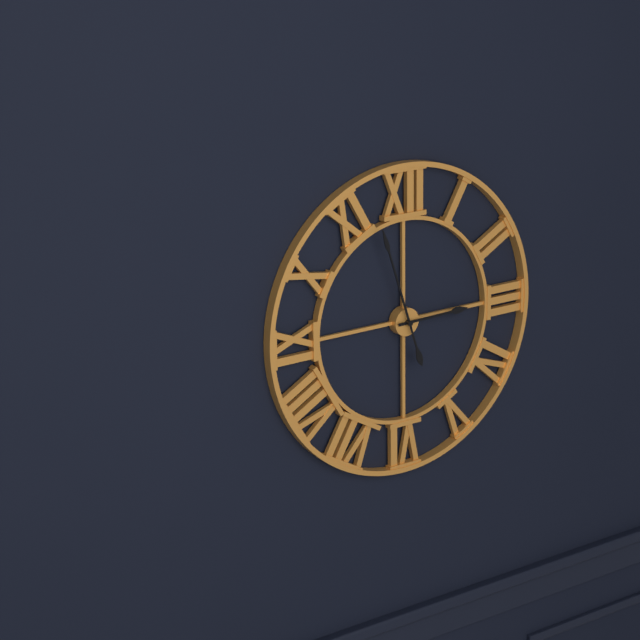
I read h=2 m=57
